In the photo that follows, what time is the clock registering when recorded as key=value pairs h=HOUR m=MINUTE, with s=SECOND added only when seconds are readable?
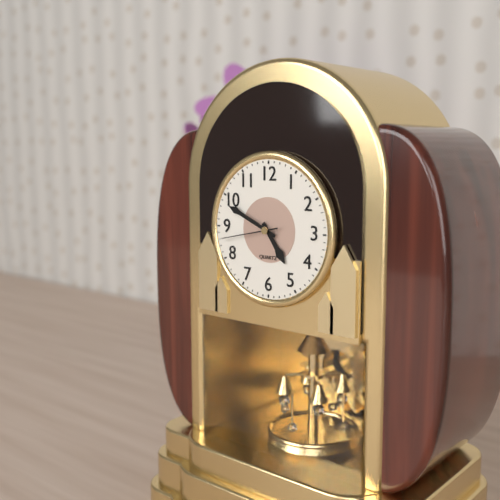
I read h=4 m=49 s=43
